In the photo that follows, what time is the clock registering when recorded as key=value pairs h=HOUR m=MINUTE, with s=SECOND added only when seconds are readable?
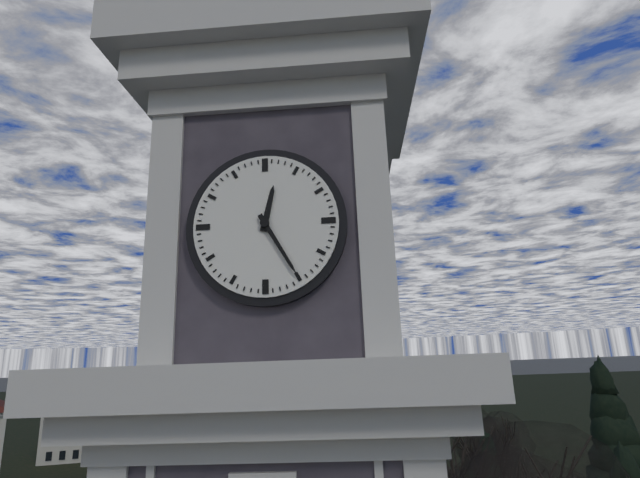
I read h=12 m=25
